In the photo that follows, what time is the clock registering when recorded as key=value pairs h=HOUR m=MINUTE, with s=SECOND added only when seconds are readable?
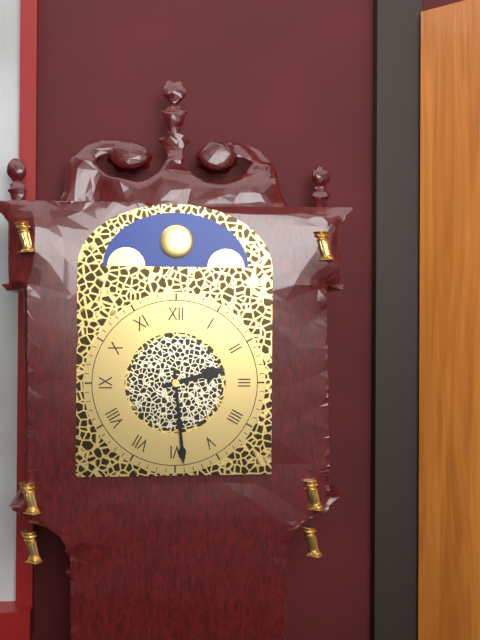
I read h=2 m=29
